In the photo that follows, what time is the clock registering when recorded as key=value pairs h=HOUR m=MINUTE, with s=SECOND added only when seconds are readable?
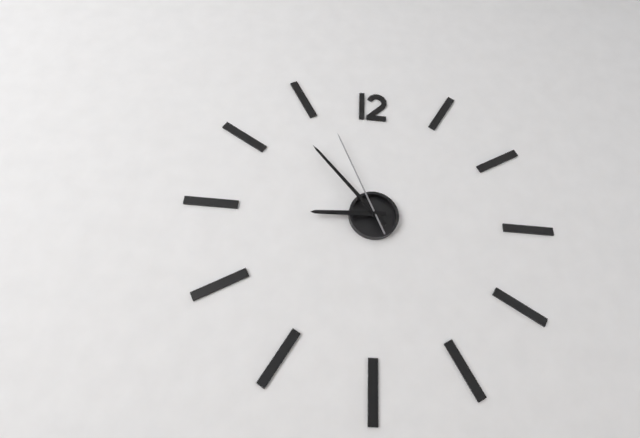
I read h=8 m=53 s=56
